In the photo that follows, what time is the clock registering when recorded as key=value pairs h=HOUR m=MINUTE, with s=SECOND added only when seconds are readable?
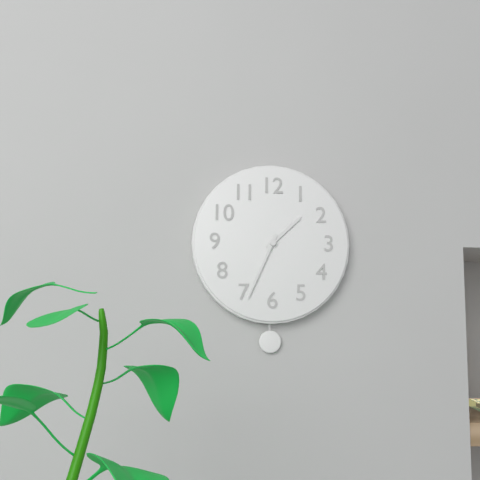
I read h=1 m=34
